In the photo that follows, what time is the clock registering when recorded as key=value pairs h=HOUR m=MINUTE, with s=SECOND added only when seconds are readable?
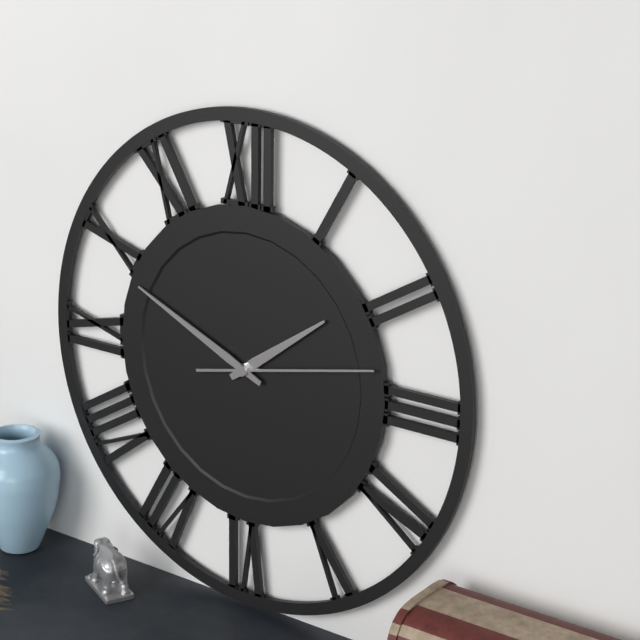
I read h=1 m=49 s=13
